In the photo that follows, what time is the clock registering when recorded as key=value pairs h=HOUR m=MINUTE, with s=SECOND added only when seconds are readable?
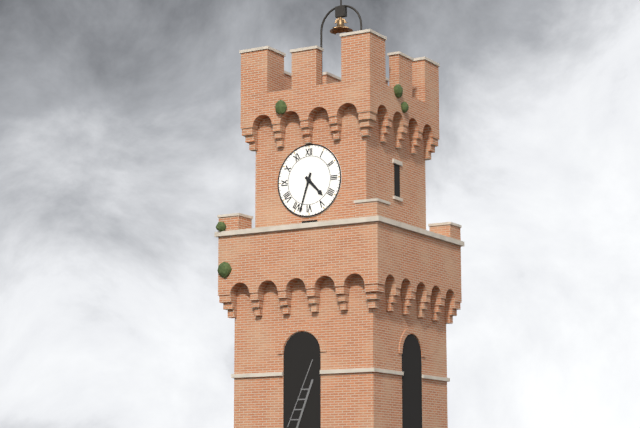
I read h=4 m=33
